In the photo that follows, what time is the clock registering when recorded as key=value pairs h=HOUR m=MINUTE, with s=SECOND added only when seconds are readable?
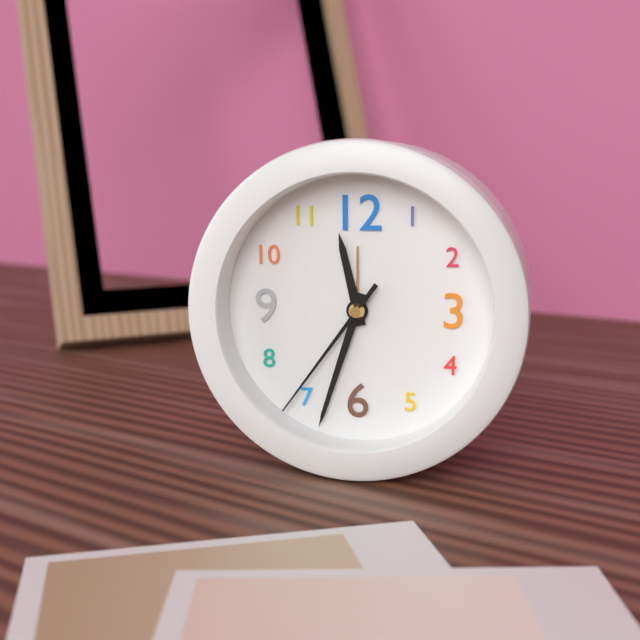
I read h=11 m=33 s=36
